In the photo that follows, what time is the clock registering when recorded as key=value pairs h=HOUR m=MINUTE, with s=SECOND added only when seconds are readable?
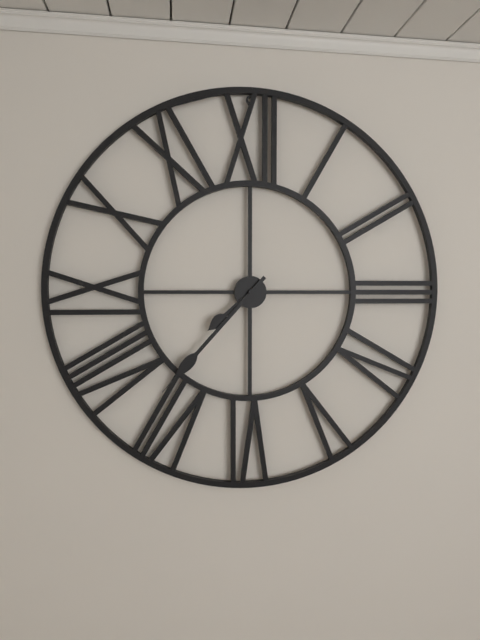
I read h=7 m=37
